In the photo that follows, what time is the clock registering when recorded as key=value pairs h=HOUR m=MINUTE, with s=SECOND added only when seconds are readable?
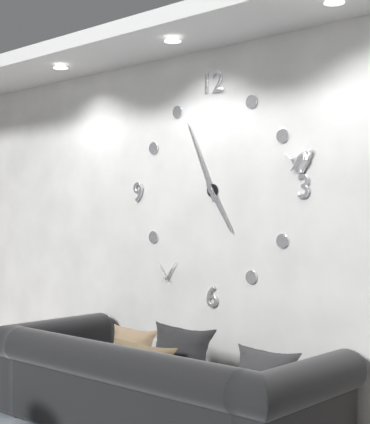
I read h=4 m=56
